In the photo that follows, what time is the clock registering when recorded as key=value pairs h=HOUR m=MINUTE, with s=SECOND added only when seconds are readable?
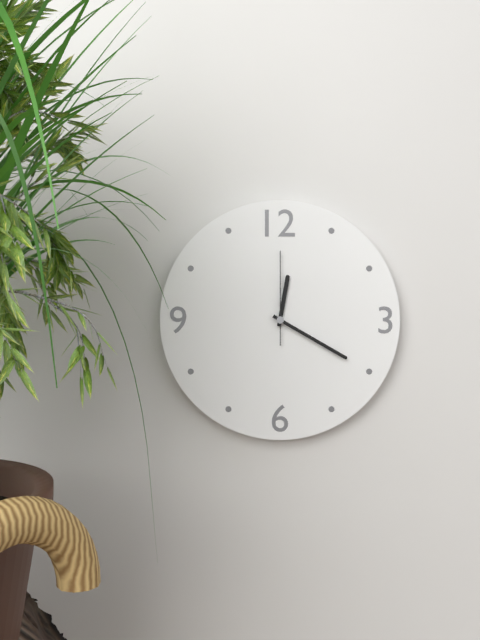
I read h=12 m=20 s=0
